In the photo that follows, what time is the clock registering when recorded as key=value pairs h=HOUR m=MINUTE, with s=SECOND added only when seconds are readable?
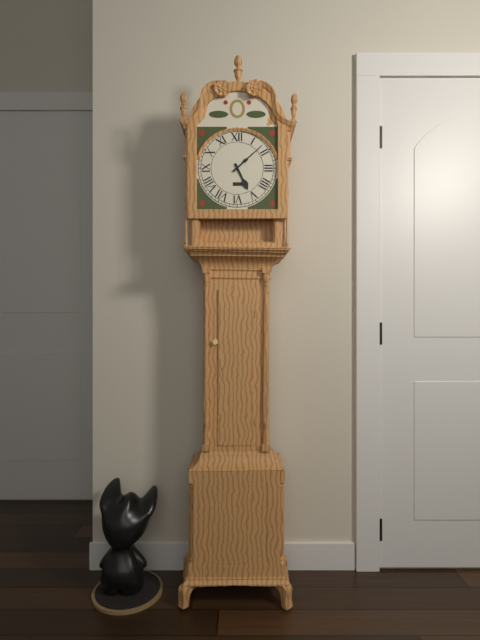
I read h=5 m=8
